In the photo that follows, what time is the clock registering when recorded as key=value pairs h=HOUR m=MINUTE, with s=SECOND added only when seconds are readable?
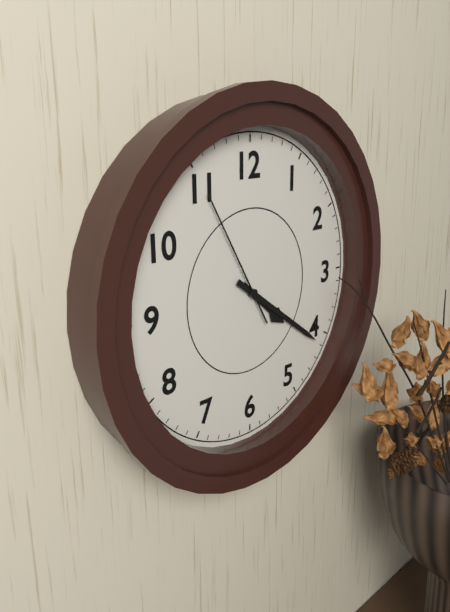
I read h=4 m=21 s=55
